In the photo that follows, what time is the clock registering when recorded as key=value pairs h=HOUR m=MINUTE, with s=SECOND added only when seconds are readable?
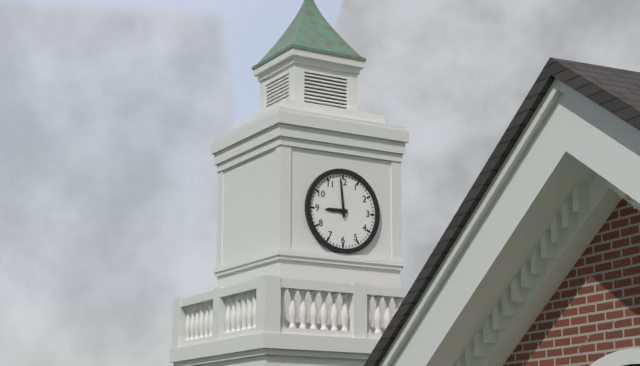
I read h=8 m=59
